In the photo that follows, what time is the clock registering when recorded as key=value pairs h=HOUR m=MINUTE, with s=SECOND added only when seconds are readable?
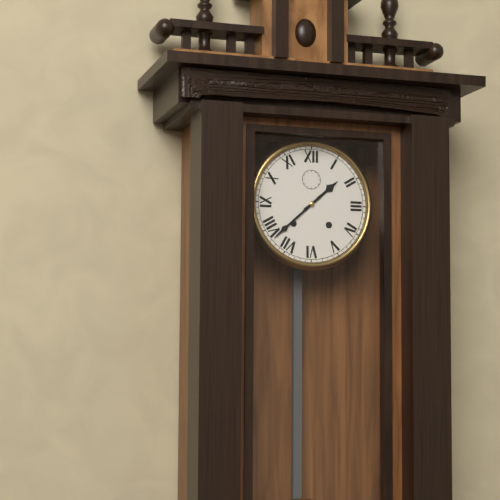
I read h=1 m=38
